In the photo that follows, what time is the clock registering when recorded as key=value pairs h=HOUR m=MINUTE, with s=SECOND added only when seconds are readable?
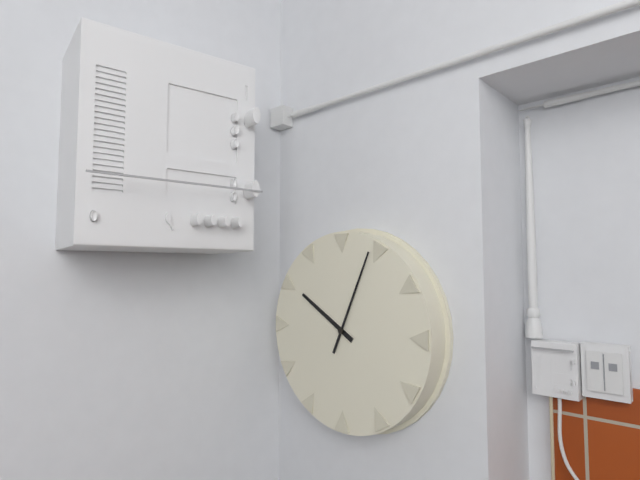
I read h=10 m=4
